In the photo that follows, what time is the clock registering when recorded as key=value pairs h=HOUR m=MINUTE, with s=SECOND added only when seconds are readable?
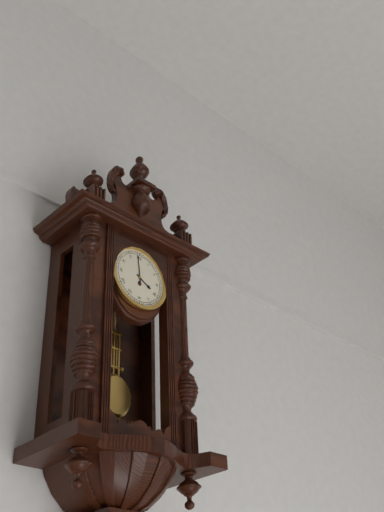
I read h=3 m=59
